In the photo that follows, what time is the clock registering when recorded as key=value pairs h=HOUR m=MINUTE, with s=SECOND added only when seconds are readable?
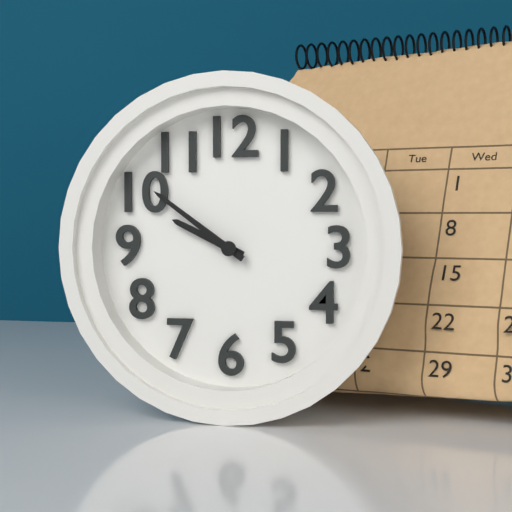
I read h=9 m=51
